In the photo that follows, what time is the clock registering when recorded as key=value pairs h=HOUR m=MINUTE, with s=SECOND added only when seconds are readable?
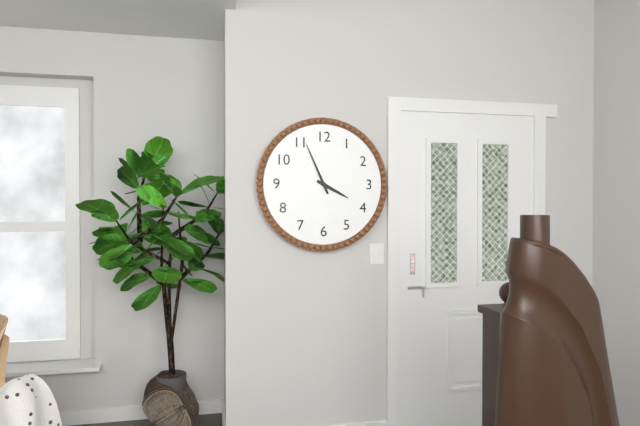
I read h=3 m=56
